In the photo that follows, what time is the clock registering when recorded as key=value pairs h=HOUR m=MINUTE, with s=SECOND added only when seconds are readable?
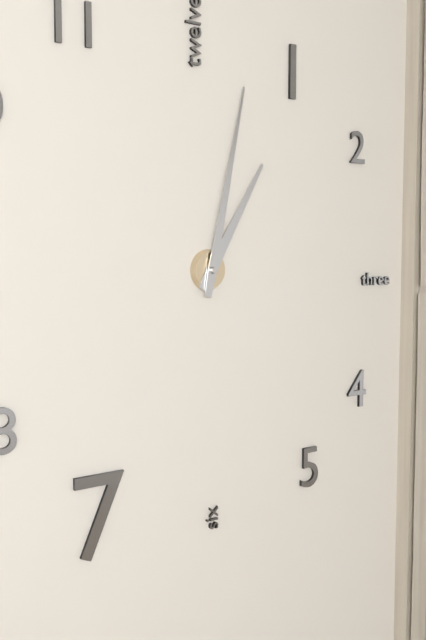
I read h=1 m=2
